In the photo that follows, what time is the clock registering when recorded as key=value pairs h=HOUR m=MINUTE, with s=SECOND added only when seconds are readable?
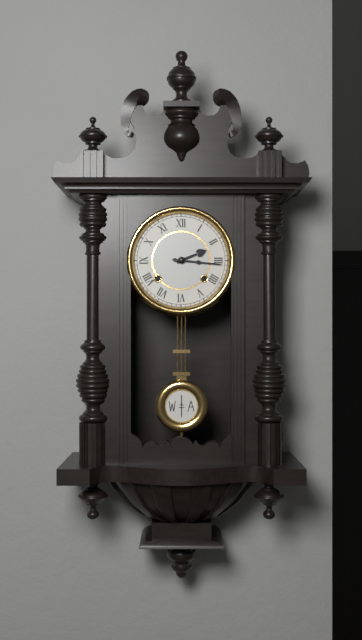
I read h=2 m=16
